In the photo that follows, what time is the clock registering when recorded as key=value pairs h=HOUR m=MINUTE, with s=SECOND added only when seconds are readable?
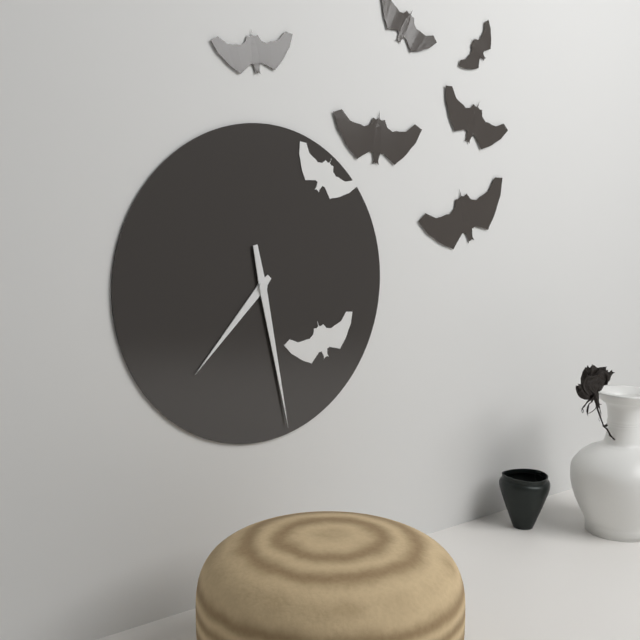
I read h=7 m=28
